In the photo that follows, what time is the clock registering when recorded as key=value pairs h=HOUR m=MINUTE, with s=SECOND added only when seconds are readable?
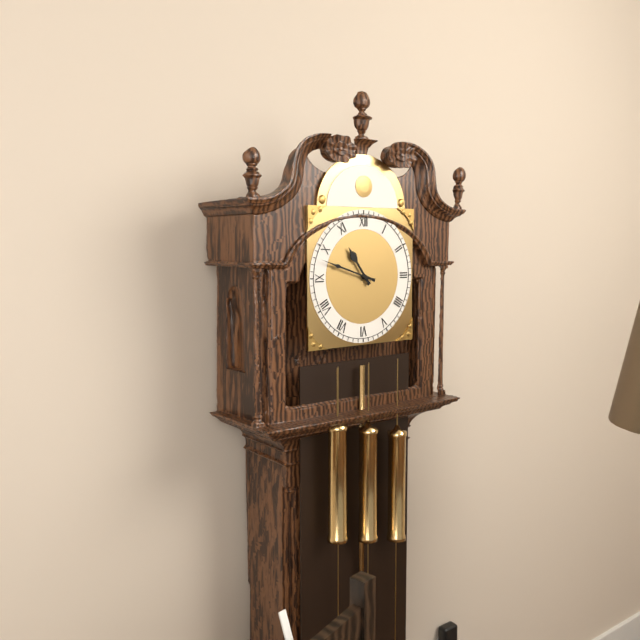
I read h=10 m=48
